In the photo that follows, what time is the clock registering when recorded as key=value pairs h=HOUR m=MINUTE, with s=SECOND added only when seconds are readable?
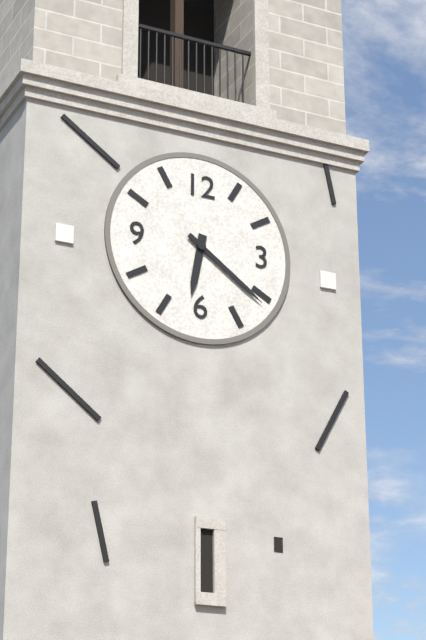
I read h=6 m=21
